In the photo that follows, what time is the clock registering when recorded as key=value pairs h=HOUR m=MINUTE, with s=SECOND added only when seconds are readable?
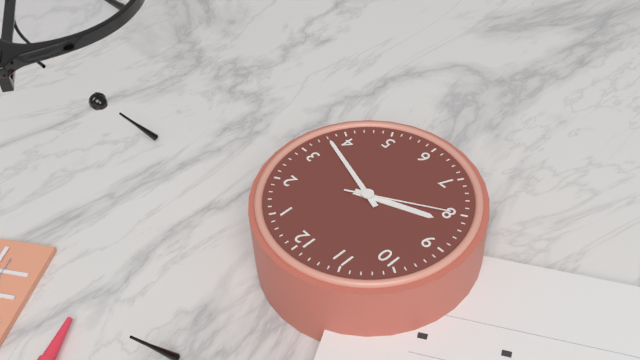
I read h=8 m=18 s=40
